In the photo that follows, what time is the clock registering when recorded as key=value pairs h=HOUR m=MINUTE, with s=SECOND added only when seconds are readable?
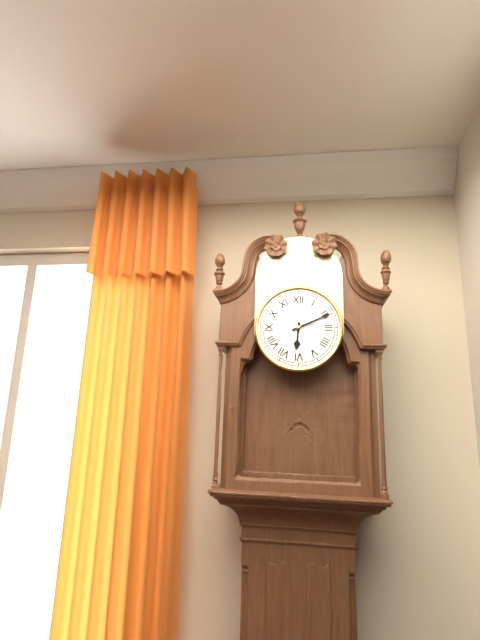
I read h=6 m=11
